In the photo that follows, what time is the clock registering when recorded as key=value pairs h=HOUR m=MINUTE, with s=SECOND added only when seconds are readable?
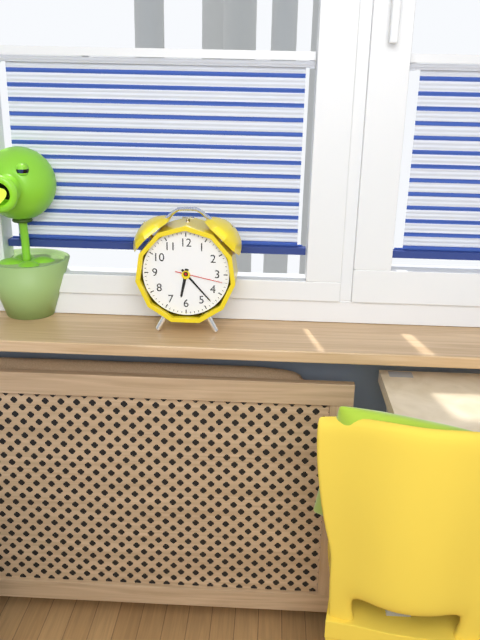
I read h=6 m=23
